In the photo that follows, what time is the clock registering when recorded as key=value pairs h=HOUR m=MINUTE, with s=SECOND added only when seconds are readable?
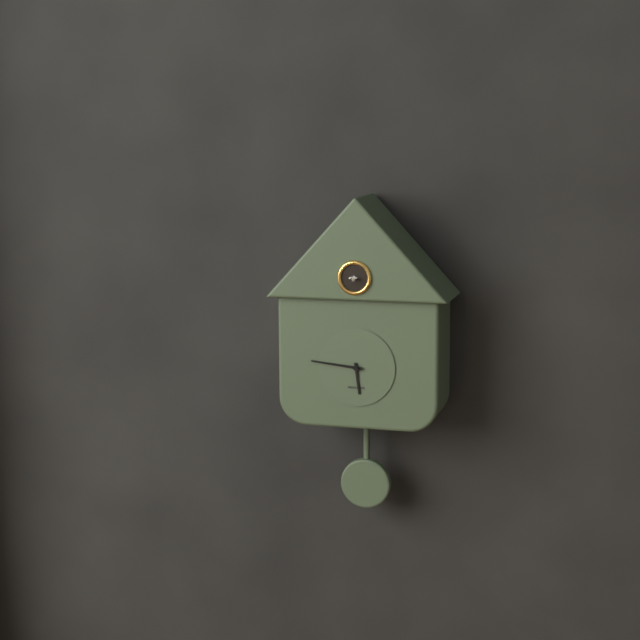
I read h=5 m=46
